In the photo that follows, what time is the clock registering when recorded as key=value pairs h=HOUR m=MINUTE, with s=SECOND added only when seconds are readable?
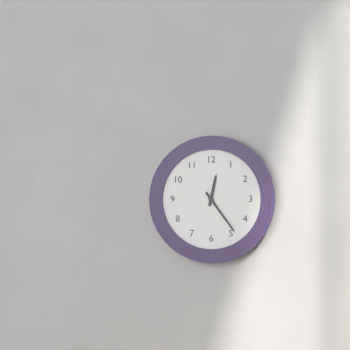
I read h=12 m=24
